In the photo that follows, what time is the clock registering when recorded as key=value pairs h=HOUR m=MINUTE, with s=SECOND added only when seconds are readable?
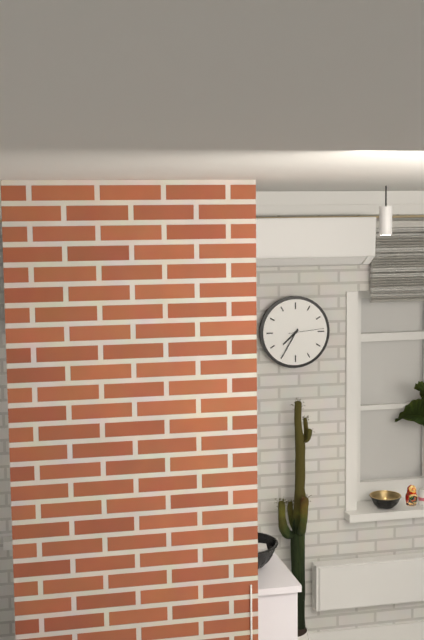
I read h=7 m=35
